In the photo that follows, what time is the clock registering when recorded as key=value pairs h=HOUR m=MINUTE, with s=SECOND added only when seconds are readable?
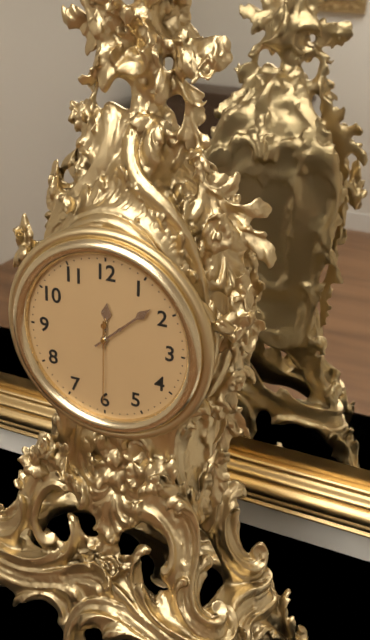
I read h=12 m=8 s=30
